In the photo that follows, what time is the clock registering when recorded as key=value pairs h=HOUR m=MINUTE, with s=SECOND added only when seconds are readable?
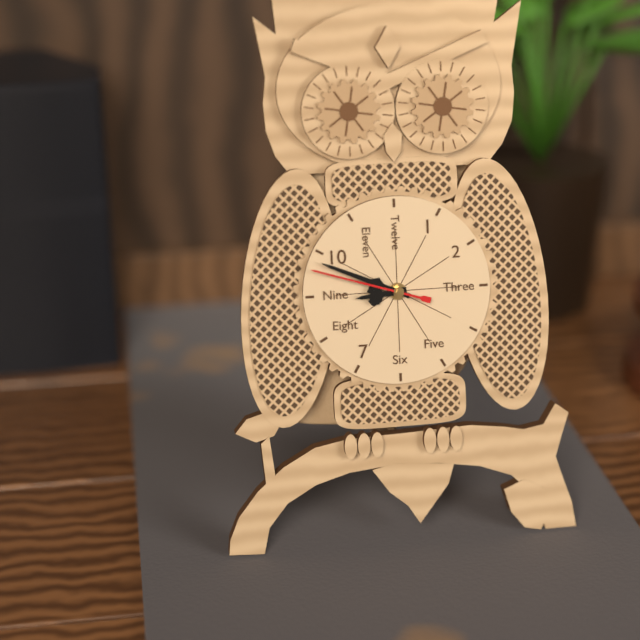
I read h=8 m=49 s=48
